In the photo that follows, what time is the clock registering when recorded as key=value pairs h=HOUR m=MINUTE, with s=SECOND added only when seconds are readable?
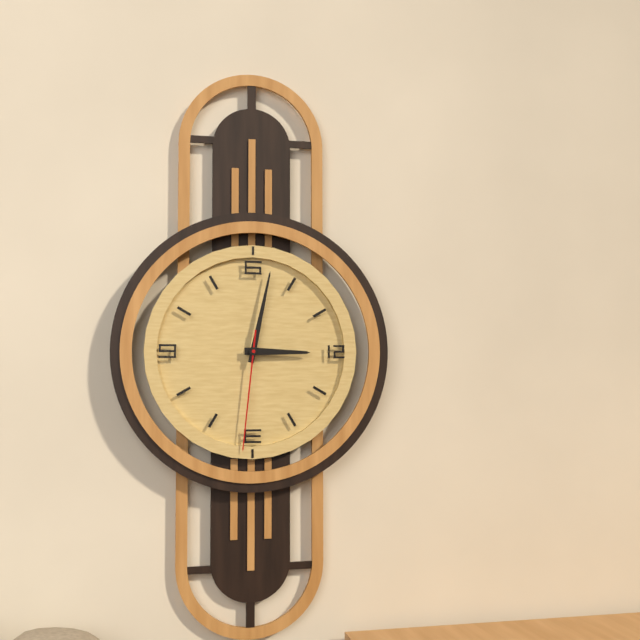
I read h=3 m=2 s=31
